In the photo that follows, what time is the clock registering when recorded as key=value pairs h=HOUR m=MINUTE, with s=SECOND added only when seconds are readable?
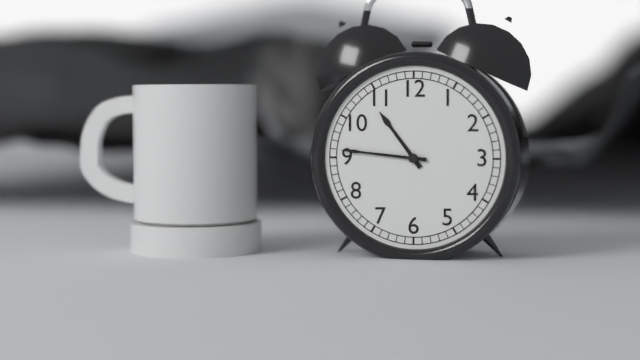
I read h=10 m=46
